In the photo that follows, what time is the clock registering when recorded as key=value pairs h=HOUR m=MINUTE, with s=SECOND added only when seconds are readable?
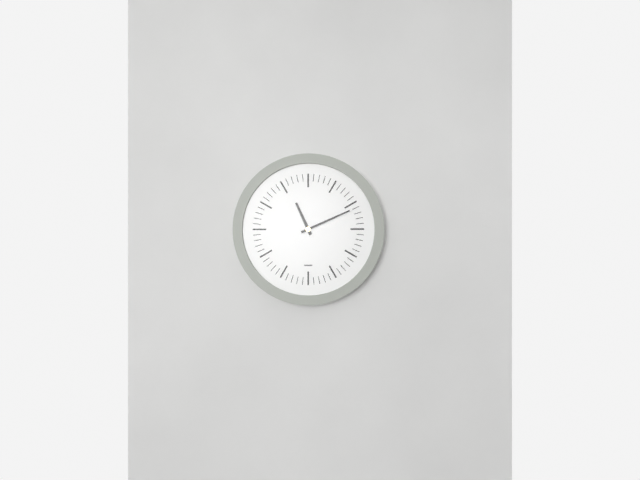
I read h=11 m=11
